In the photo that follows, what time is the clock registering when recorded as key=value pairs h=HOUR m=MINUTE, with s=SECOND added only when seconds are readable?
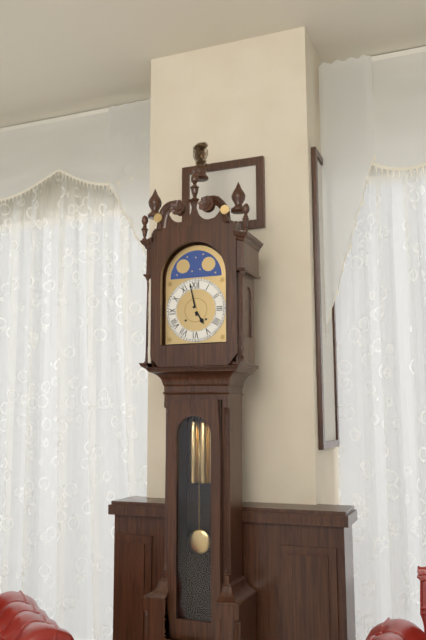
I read h=4 m=58
